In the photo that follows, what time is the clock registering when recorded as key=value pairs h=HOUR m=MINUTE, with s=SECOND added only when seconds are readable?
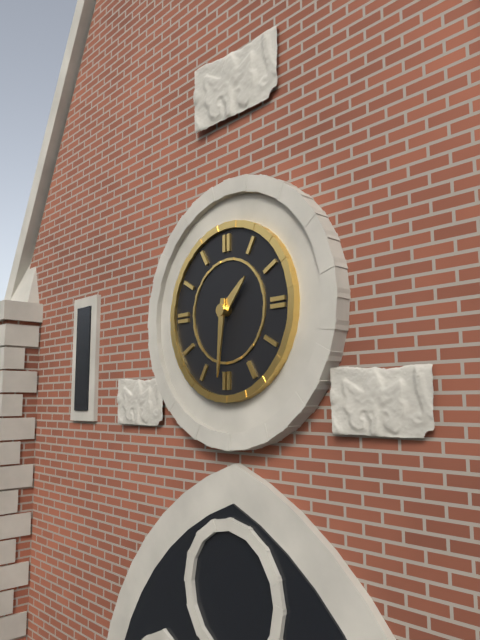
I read h=1 m=31
